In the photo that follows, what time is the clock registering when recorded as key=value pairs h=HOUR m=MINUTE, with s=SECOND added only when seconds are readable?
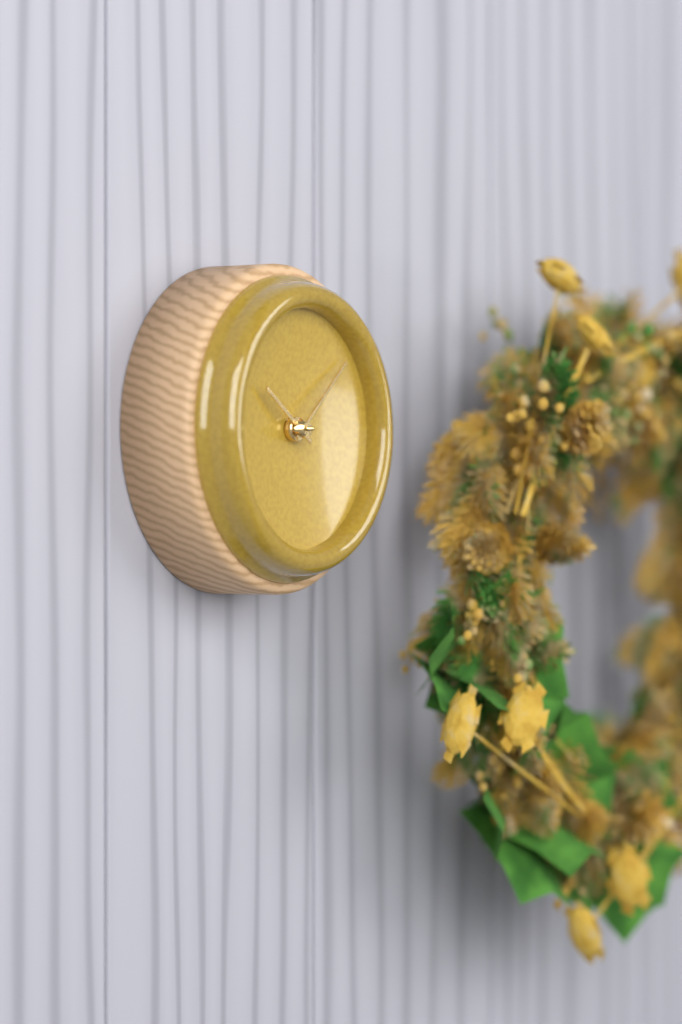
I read h=10 m=8
